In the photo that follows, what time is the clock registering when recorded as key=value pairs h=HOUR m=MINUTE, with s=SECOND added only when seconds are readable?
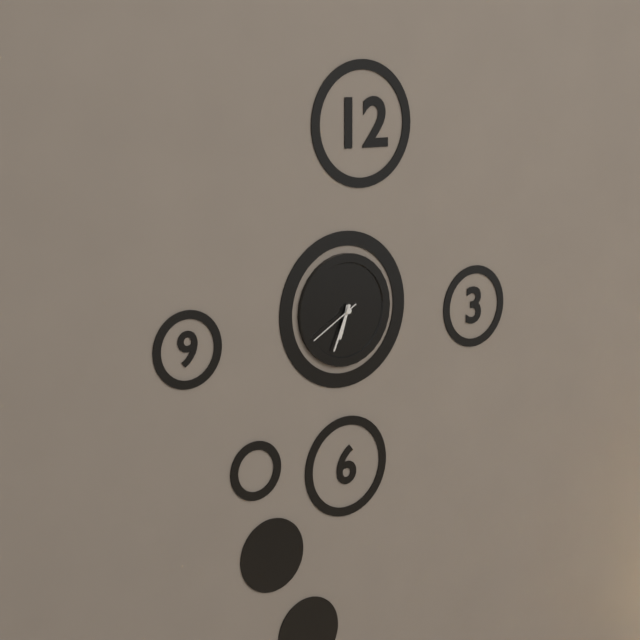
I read h=6 m=34 s=40
